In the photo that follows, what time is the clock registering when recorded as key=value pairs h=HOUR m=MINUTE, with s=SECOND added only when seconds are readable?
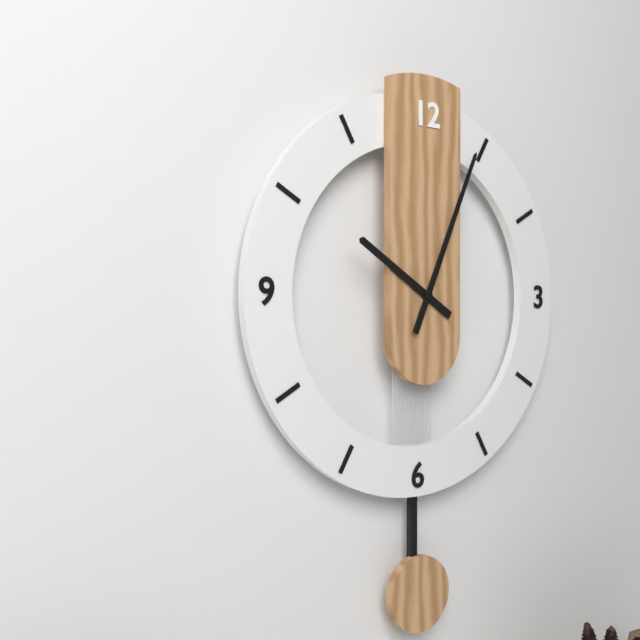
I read h=10 m=4
